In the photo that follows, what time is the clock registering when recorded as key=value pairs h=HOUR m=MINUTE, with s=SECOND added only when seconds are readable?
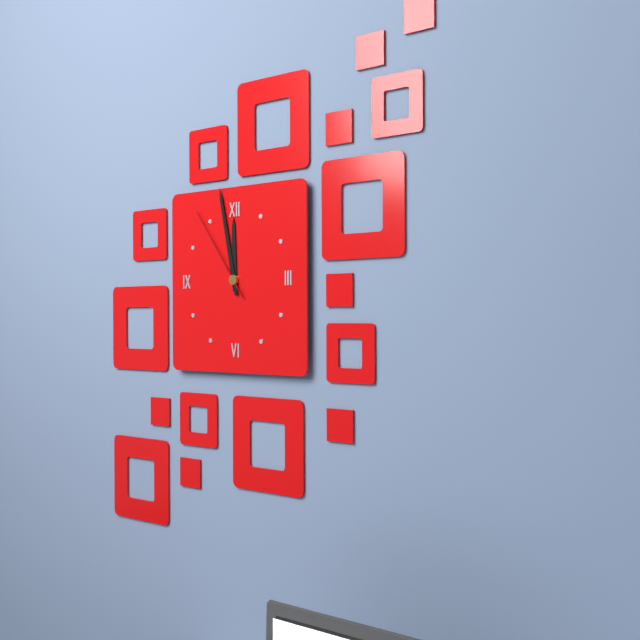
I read h=11 m=58 s=54
